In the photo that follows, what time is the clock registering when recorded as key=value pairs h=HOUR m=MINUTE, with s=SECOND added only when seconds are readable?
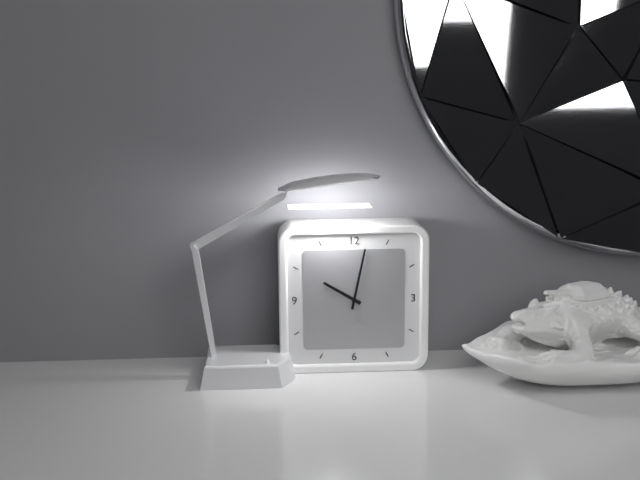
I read h=10 m=2
